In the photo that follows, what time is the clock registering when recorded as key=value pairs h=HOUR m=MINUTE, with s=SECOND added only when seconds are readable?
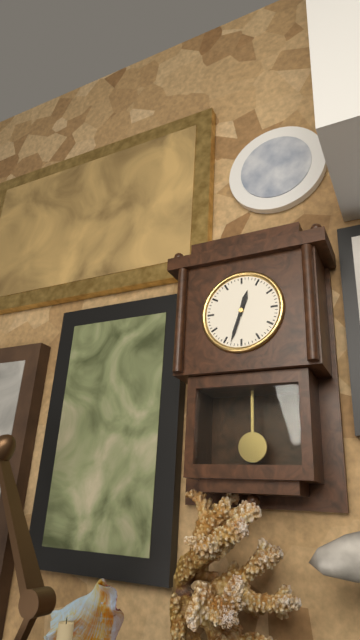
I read h=12 m=33
